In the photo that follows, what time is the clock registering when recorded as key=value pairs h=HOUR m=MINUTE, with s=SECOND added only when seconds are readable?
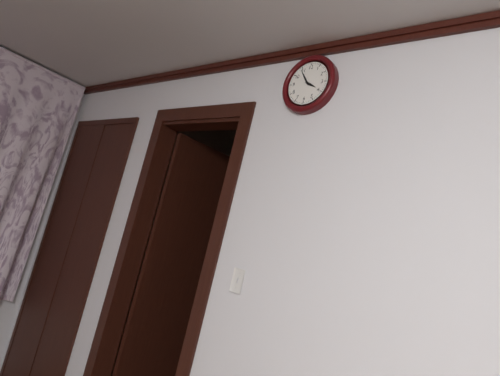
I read h=3 m=54
